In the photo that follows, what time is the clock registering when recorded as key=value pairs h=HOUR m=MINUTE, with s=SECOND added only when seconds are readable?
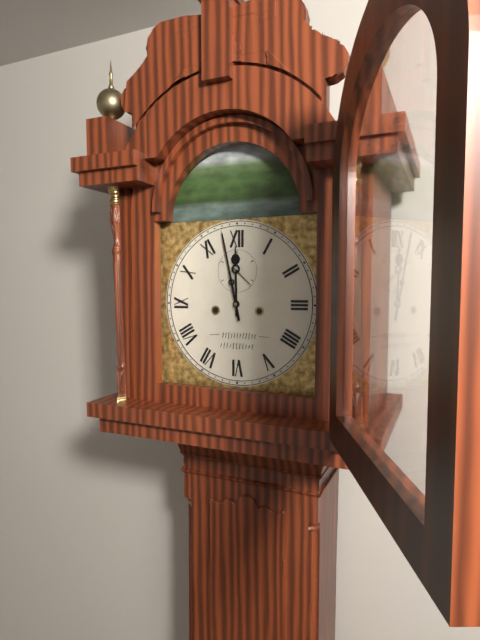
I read h=11 m=58
